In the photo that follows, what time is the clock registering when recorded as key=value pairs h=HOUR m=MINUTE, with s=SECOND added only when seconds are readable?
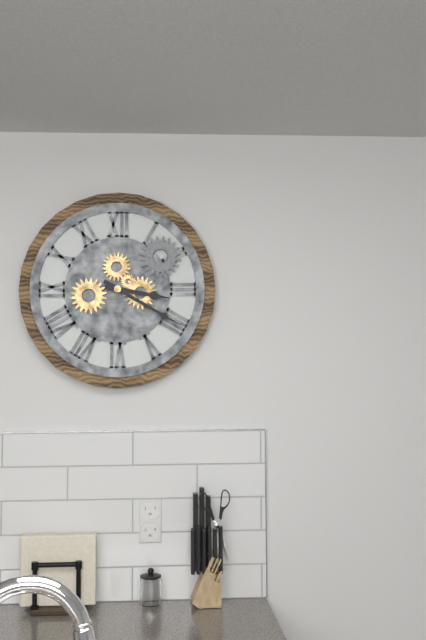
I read h=3 m=20
